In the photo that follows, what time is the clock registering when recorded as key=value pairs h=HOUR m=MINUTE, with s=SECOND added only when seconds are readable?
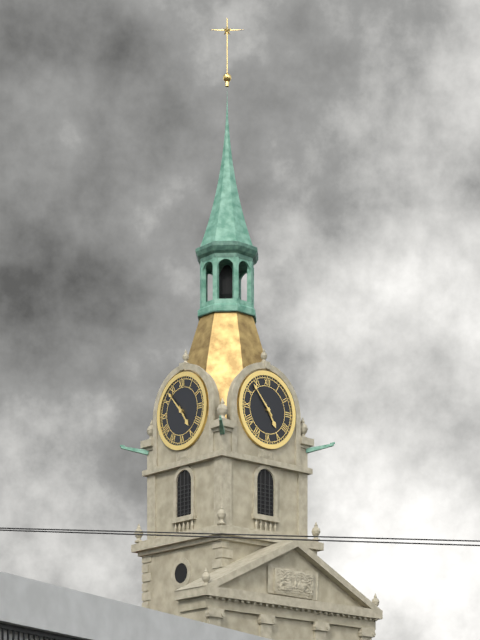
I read h=4 m=53
